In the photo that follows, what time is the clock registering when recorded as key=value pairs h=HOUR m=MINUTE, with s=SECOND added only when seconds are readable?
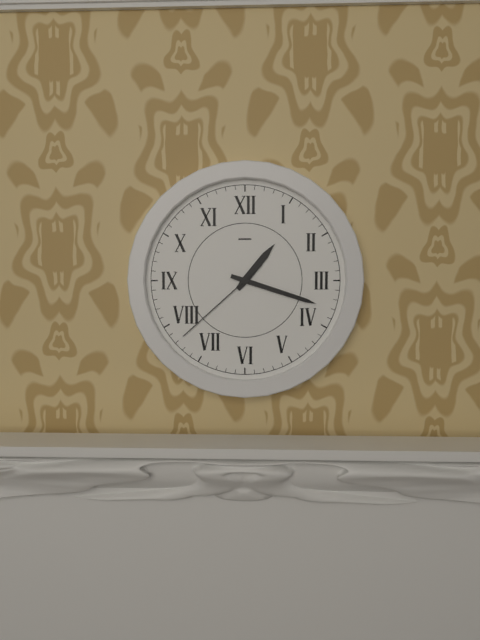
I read h=1 m=18 s=38
